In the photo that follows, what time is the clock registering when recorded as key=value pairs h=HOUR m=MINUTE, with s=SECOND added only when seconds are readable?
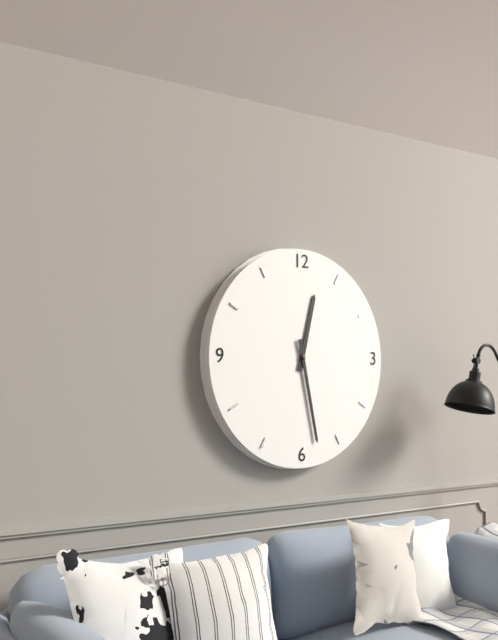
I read h=12 m=28
